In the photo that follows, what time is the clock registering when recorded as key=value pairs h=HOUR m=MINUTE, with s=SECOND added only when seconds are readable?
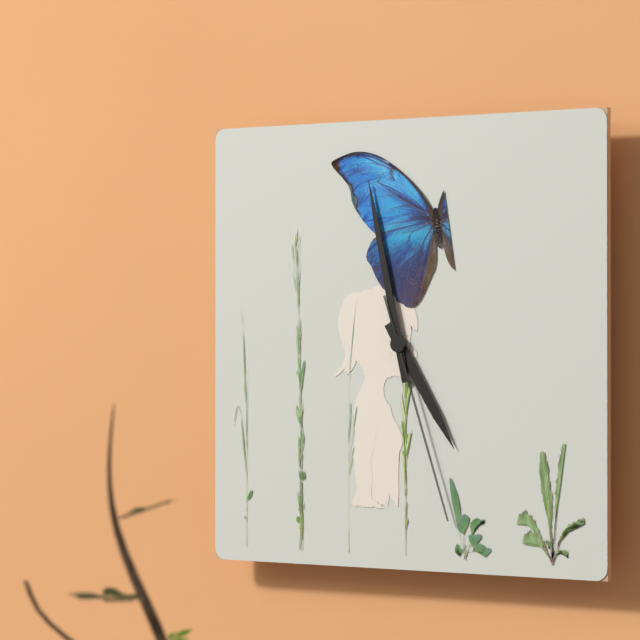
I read h=4 m=58 s=27
